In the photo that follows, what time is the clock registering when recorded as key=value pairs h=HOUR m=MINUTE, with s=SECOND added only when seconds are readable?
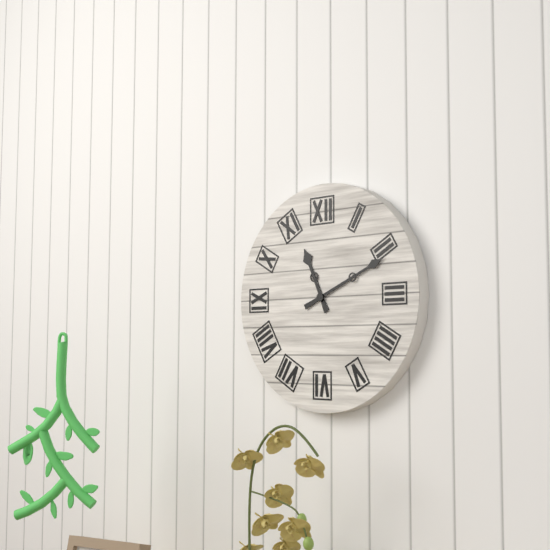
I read h=11 m=11
